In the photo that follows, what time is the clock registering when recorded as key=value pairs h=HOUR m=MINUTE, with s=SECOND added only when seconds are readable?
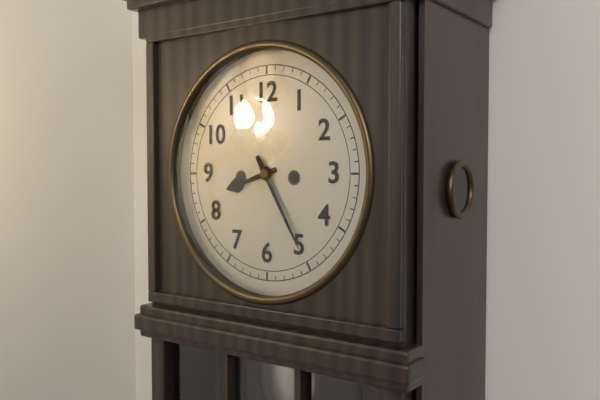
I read h=8 m=25
